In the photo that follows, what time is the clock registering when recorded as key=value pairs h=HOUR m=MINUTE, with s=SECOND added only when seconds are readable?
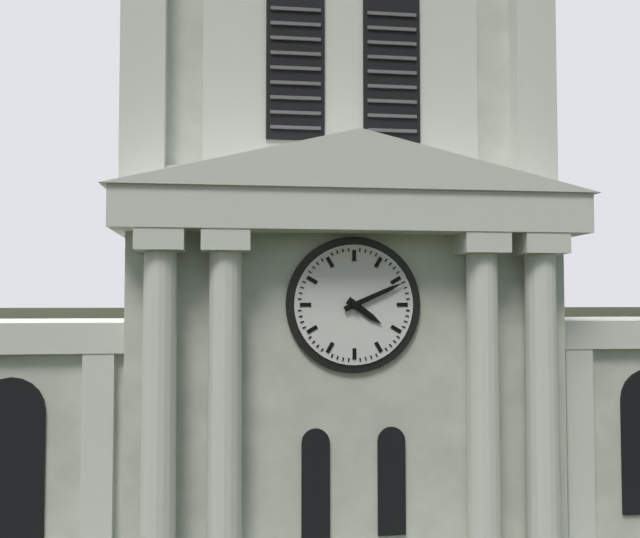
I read h=4 m=11
